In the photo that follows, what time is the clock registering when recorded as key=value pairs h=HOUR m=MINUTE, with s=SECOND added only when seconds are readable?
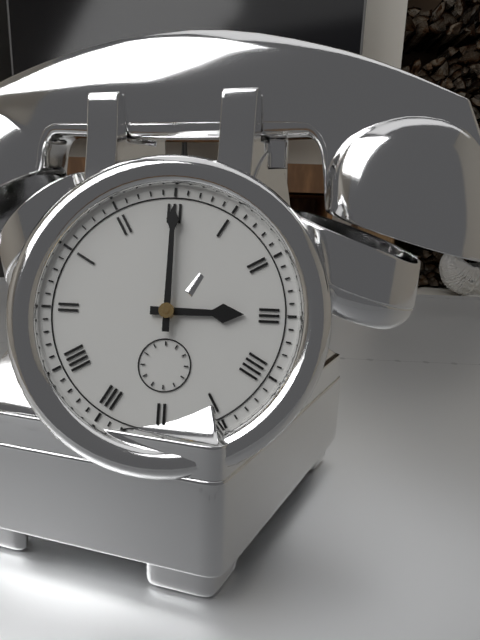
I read h=3 m=0
